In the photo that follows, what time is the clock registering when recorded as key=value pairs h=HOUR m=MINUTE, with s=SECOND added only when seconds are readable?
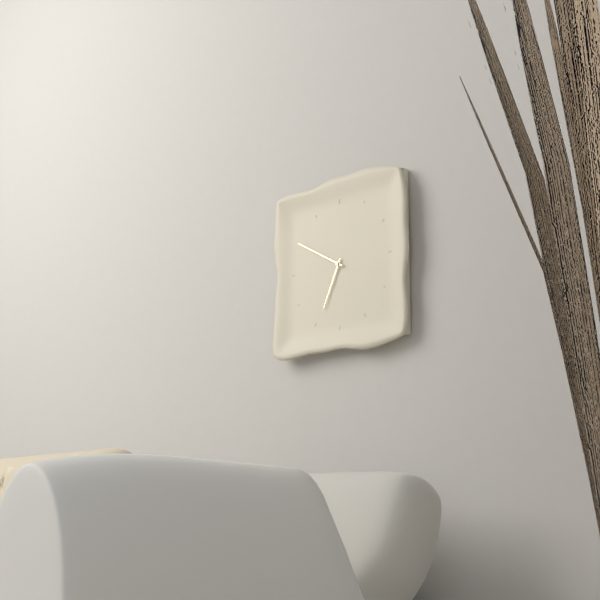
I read h=6 m=50
